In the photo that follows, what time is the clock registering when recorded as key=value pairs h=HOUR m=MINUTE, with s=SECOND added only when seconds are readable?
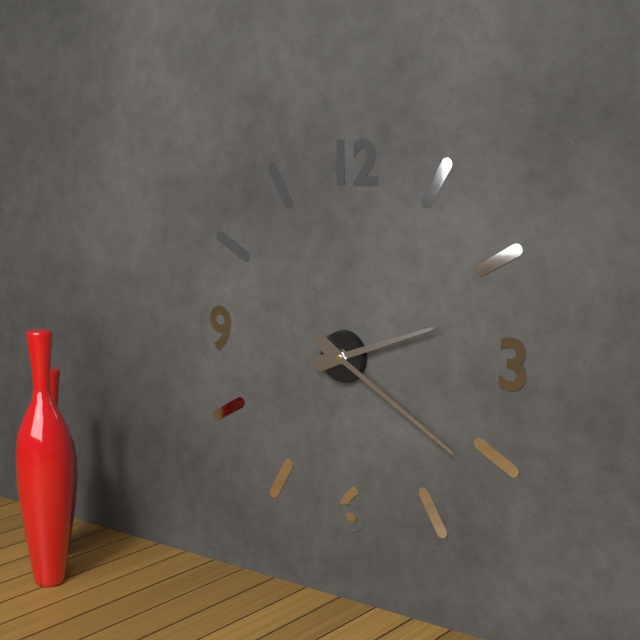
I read h=2 m=20
